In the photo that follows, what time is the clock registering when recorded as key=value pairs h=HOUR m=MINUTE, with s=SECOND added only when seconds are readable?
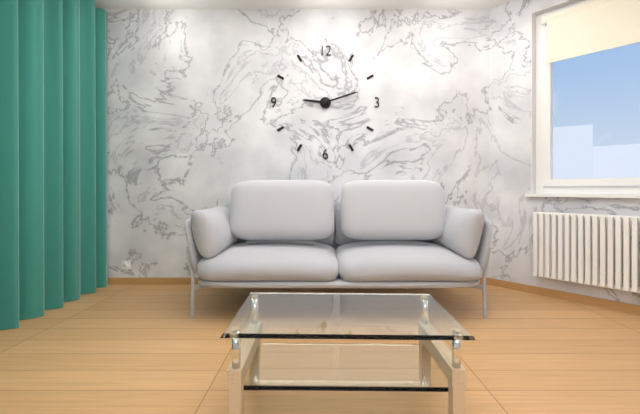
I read h=9 m=12
